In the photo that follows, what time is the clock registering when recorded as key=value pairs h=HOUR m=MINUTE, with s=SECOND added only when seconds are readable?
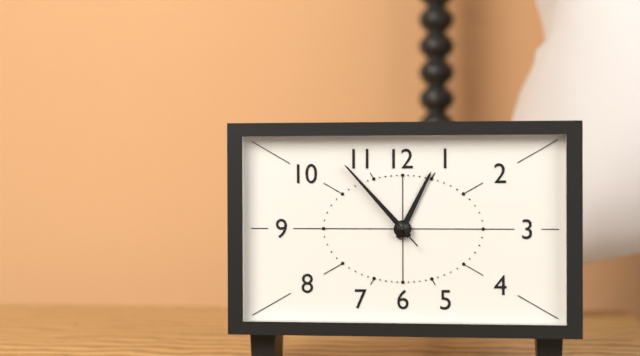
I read h=12 m=53 s=53
